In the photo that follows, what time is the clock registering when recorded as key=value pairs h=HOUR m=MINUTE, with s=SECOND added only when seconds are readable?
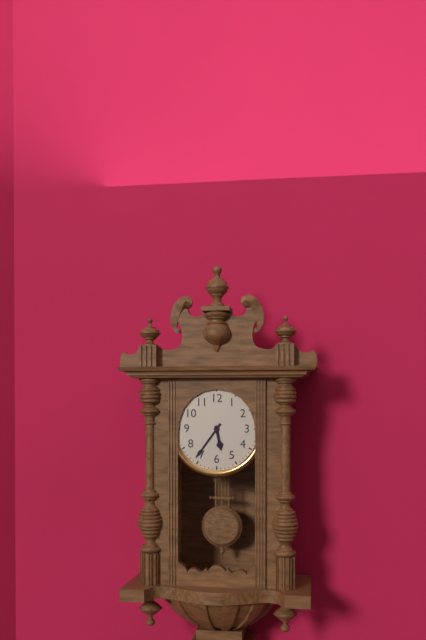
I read h=5 m=36
